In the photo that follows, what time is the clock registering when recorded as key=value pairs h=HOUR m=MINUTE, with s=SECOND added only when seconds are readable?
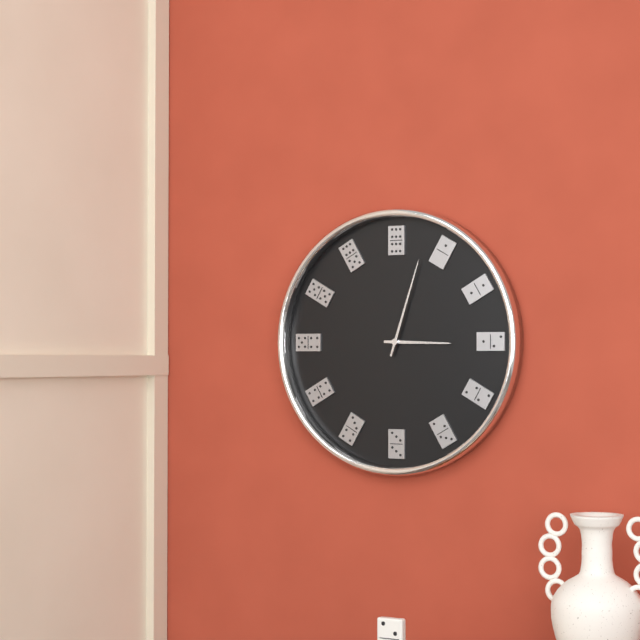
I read h=3 m=3
